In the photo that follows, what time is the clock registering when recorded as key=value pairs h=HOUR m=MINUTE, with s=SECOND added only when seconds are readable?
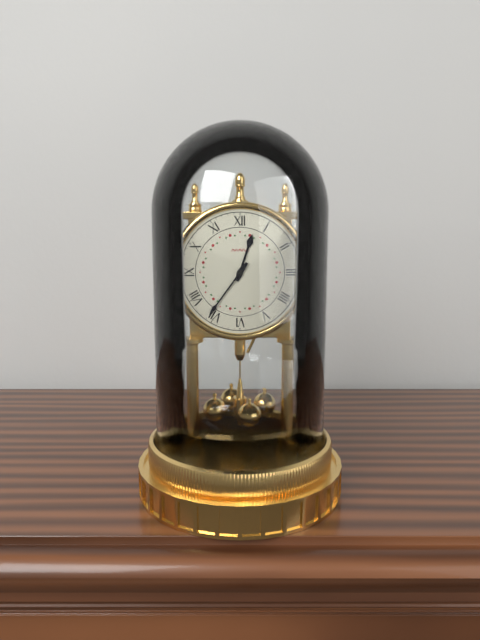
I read h=12 m=36
